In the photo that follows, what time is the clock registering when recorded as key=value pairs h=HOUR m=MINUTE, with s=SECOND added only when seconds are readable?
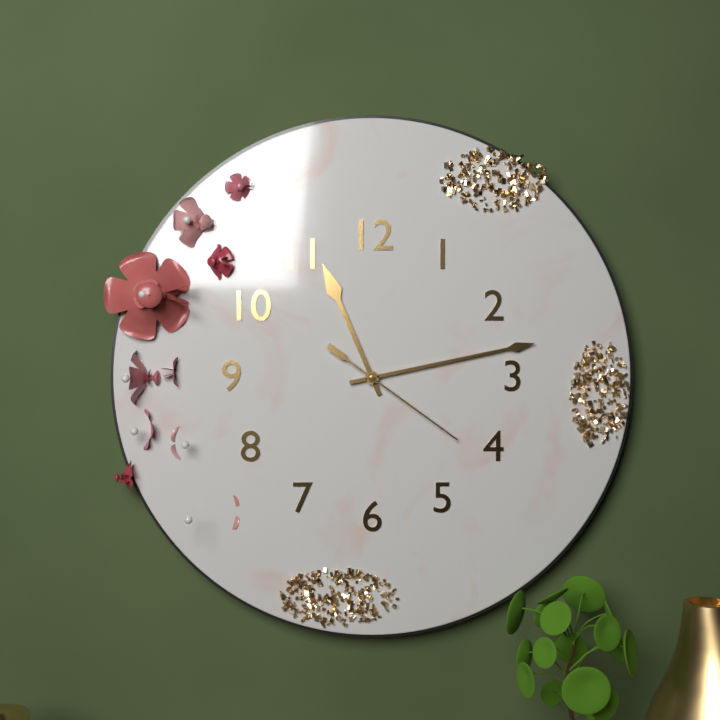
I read h=11 m=13 s=21
